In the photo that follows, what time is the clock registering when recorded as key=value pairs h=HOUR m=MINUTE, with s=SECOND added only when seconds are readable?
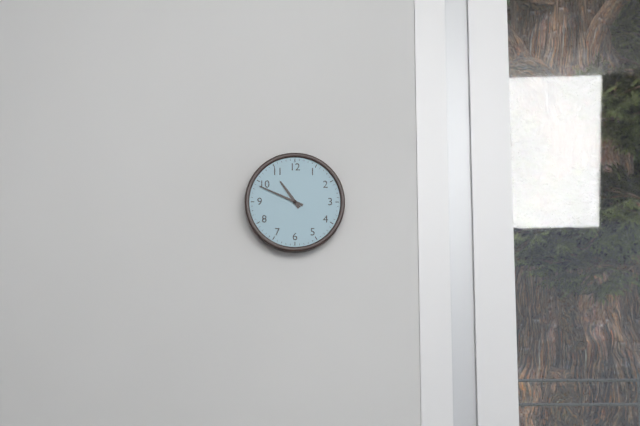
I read h=10 m=49
